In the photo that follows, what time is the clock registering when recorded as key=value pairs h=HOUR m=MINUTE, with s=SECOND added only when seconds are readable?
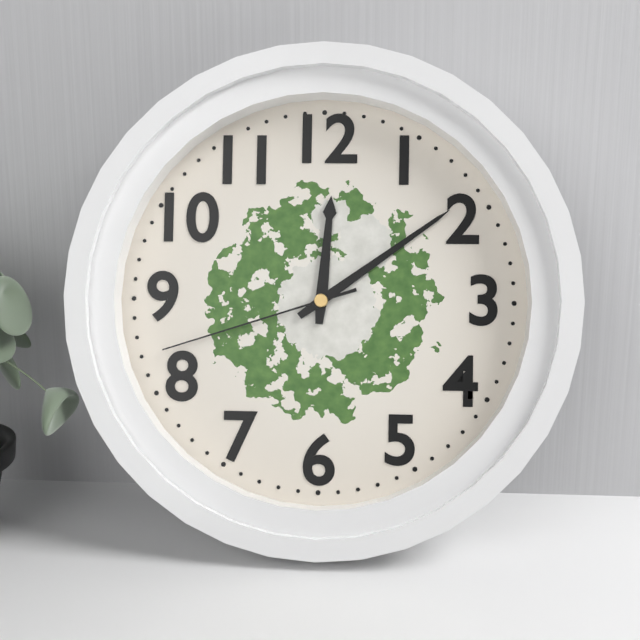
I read h=12 m=9 s=42
